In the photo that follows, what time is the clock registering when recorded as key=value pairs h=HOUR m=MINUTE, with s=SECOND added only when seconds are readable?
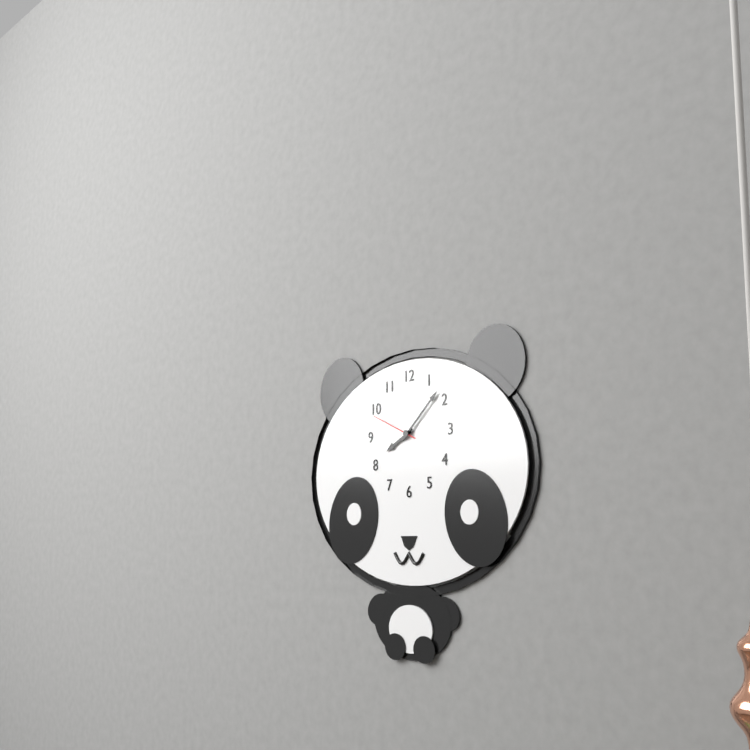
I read h=8 m=8
